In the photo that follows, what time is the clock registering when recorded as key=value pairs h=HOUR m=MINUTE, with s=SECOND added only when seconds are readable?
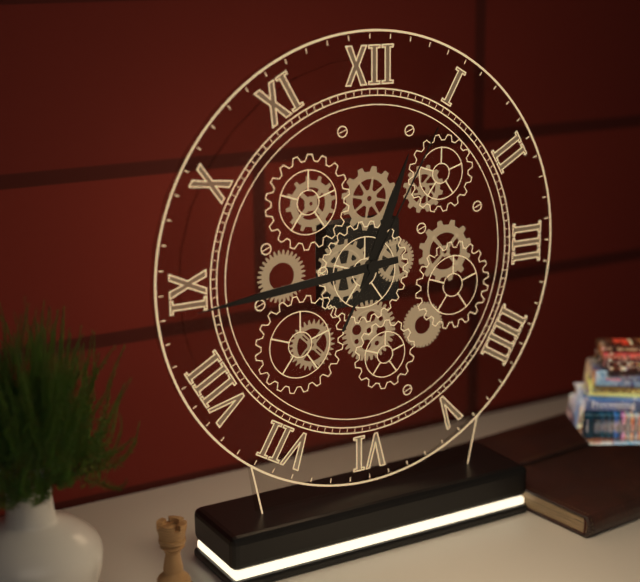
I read h=12 m=44 s=5
